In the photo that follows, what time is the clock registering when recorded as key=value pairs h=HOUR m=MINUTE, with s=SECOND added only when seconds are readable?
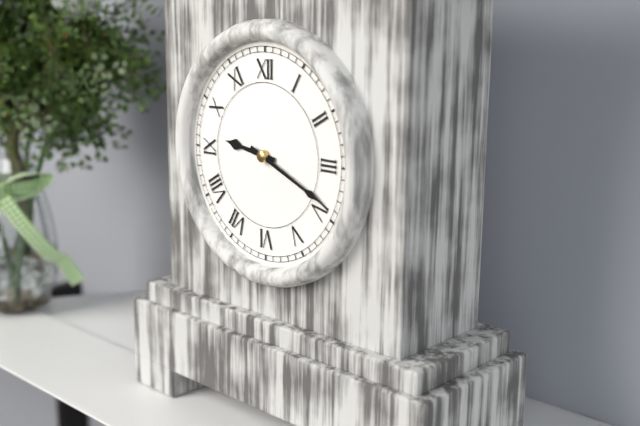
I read h=9 m=19
